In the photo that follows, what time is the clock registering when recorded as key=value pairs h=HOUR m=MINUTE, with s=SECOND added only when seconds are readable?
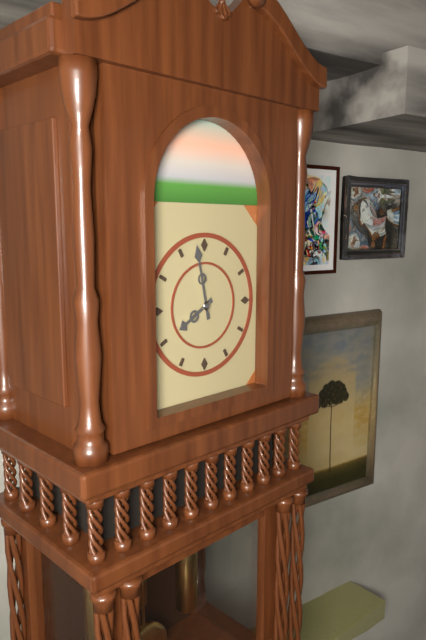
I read h=7 m=58
